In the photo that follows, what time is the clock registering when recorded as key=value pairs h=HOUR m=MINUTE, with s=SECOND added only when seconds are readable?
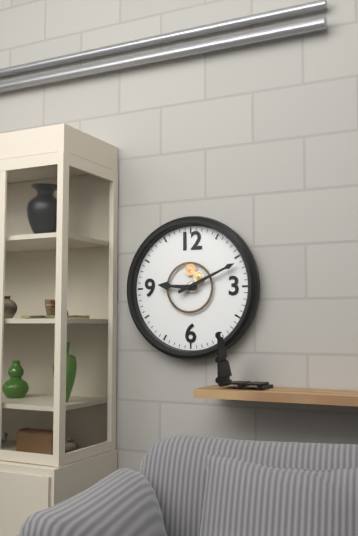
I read h=9 m=11
